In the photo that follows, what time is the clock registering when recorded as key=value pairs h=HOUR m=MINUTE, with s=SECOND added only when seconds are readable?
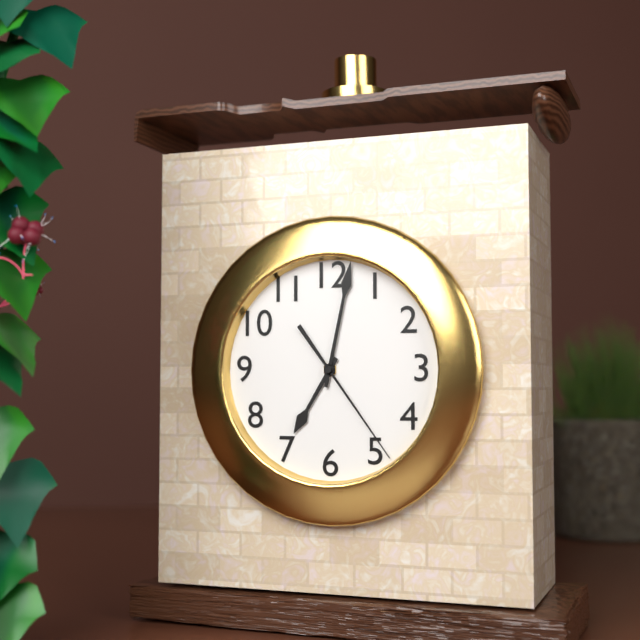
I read h=7 m=2 s=24
